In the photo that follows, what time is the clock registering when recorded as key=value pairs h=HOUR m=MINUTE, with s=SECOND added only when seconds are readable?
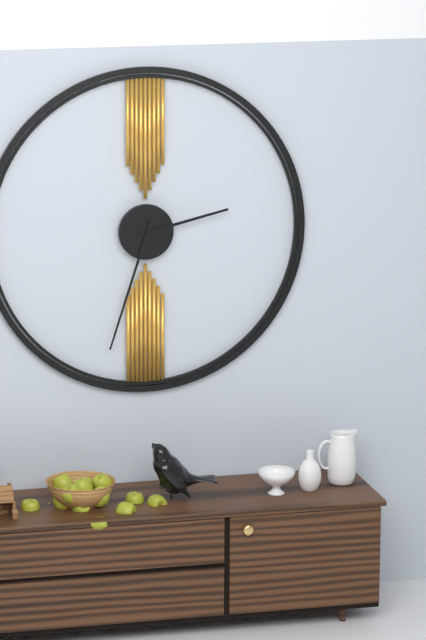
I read h=2 m=33
